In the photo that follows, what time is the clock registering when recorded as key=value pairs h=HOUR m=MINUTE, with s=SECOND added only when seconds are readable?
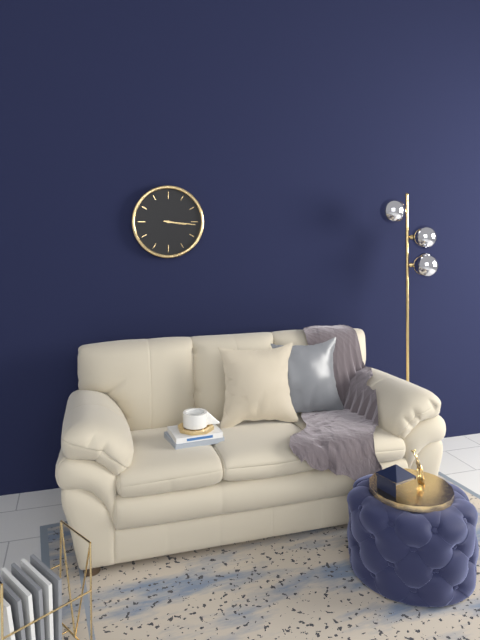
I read h=3 m=16
